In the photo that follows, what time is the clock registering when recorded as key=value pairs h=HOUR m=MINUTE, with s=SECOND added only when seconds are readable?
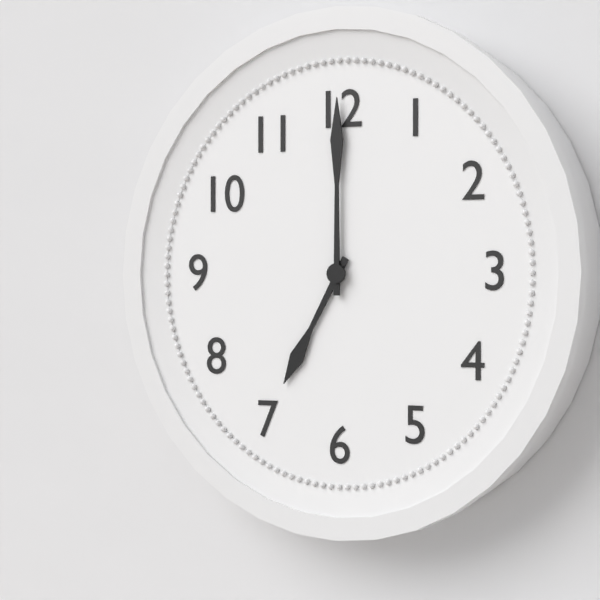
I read h=7 m=0
